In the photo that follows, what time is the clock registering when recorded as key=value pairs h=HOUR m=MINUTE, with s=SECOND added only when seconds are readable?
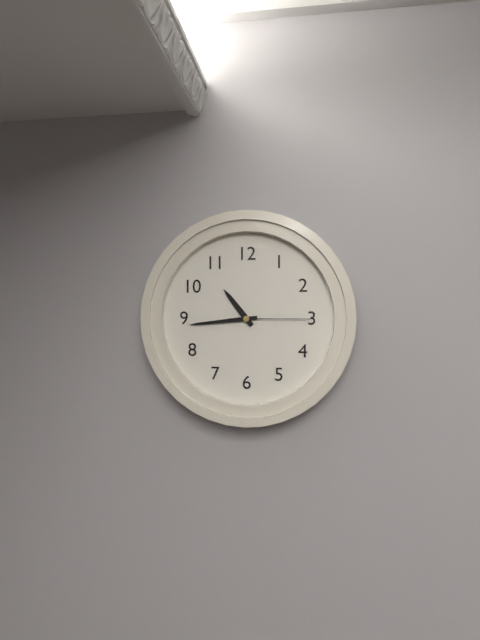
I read h=10 m=44 s=15
